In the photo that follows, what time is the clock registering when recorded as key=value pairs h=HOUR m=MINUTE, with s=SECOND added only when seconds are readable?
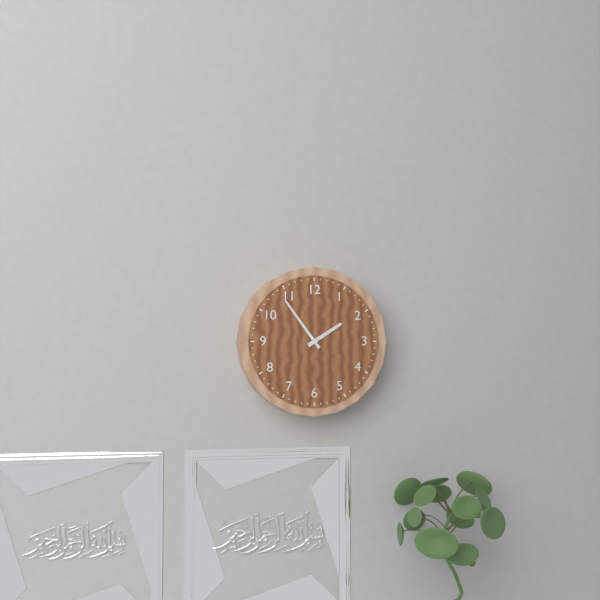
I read h=1 m=54
